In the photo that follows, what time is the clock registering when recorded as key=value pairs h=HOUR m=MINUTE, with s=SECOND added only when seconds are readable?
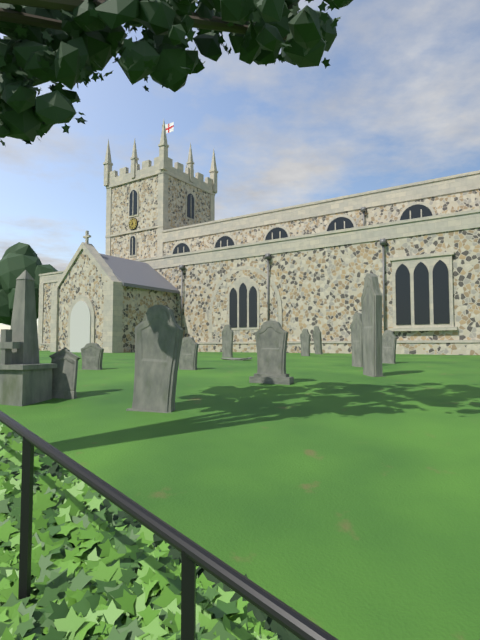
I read h=11 m=36
